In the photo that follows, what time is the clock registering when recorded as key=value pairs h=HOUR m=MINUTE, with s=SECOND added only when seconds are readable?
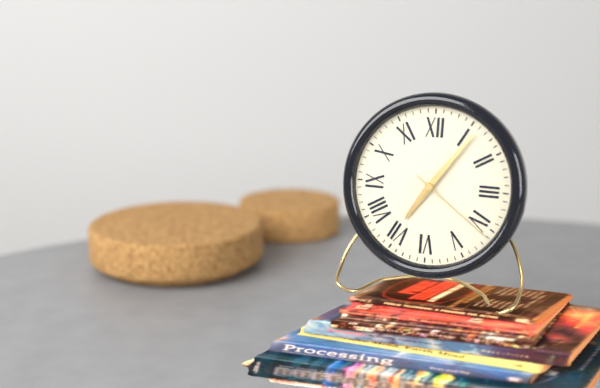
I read h=7 m=6 s=21
